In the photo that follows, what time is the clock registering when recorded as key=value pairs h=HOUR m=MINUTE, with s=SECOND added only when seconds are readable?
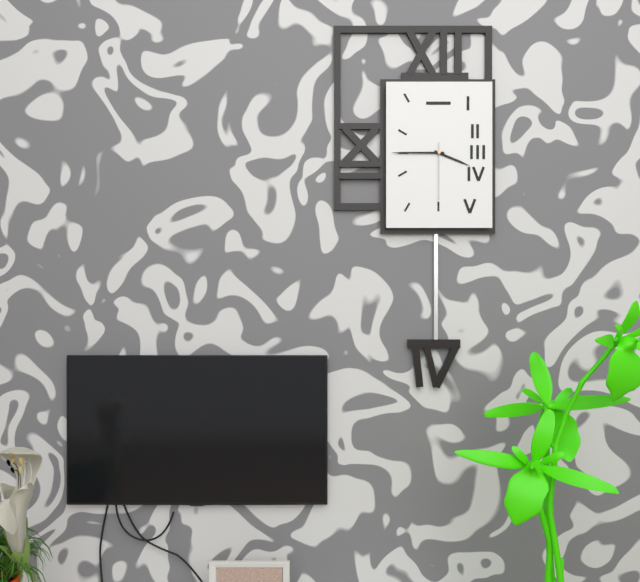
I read h=3 m=45 s=30
